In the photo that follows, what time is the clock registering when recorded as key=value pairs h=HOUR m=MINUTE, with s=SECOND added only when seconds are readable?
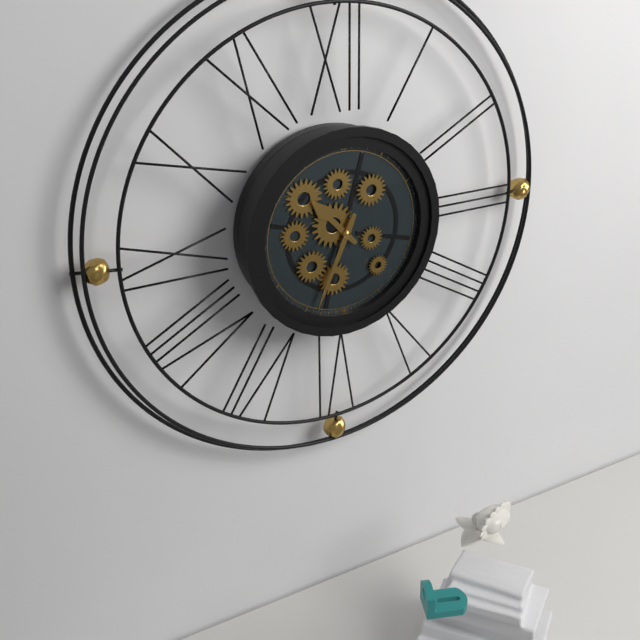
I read h=10 m=34
